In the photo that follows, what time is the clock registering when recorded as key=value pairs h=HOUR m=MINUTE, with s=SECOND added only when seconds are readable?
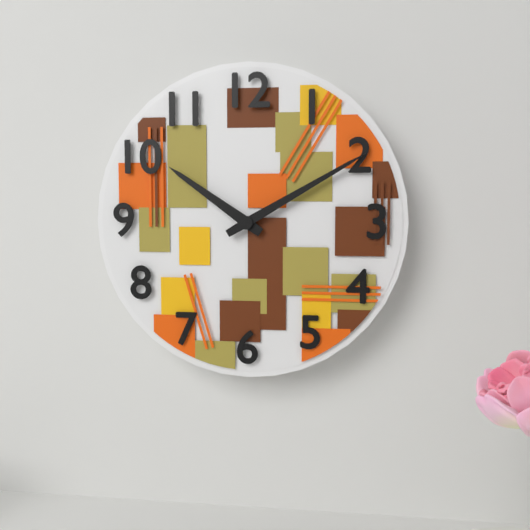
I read h=10 m=10
